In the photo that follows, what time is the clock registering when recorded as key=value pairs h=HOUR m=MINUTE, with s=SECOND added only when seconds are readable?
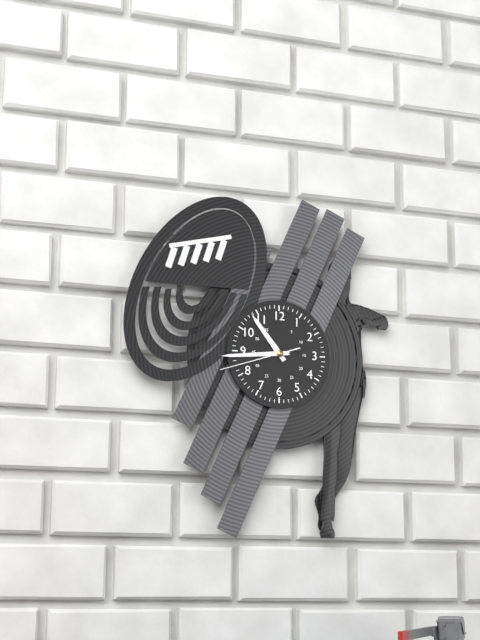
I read h=10 m=44 s=42
